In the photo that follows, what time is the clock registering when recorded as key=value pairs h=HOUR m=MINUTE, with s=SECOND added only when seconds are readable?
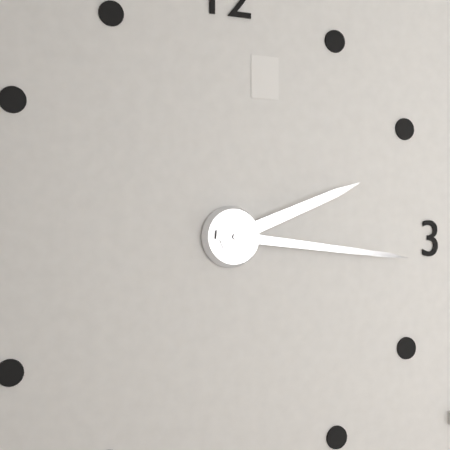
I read h=2 m=16
